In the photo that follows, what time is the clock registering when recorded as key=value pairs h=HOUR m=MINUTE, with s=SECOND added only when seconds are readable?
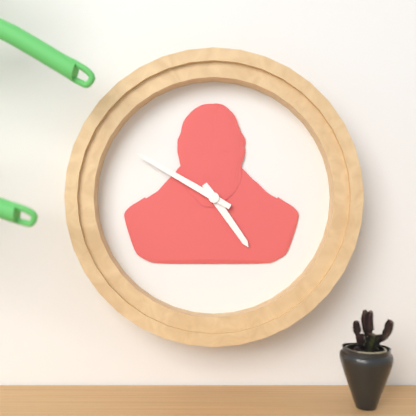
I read h=4 m=50
